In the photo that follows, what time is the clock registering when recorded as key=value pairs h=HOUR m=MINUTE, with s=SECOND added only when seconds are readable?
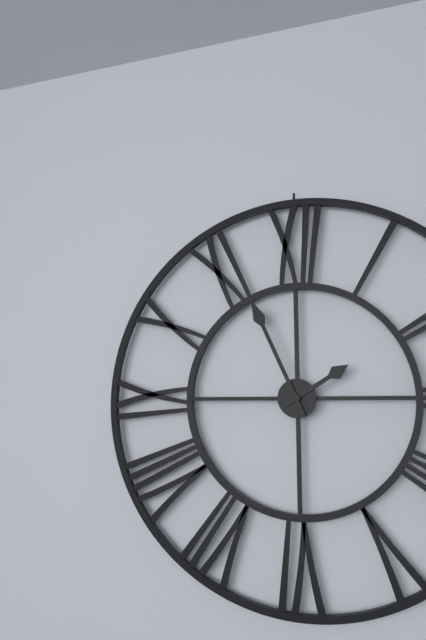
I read h=1 m=56
